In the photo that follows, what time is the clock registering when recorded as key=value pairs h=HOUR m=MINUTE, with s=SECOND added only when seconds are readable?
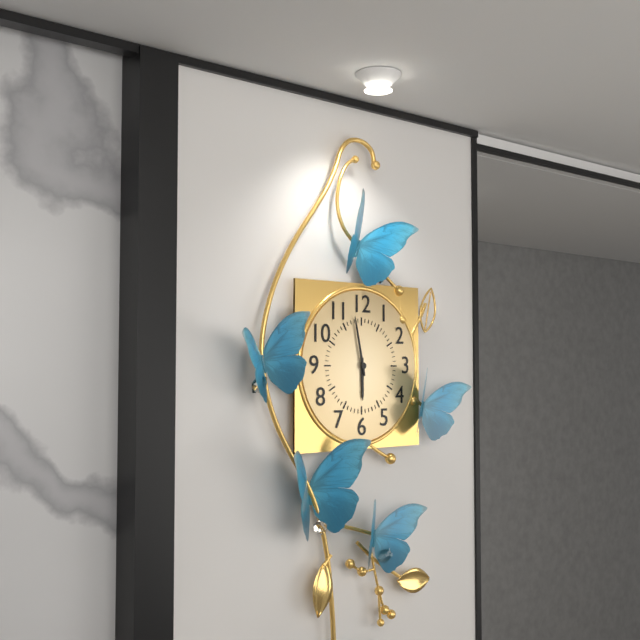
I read h=5 m=58
